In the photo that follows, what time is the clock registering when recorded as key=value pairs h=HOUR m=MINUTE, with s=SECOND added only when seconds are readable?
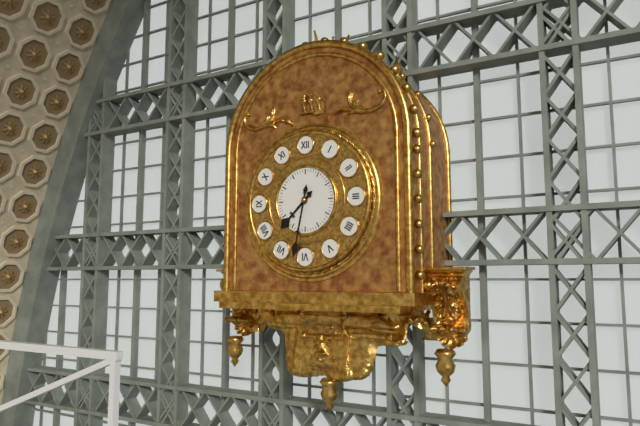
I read h=7 m=32
